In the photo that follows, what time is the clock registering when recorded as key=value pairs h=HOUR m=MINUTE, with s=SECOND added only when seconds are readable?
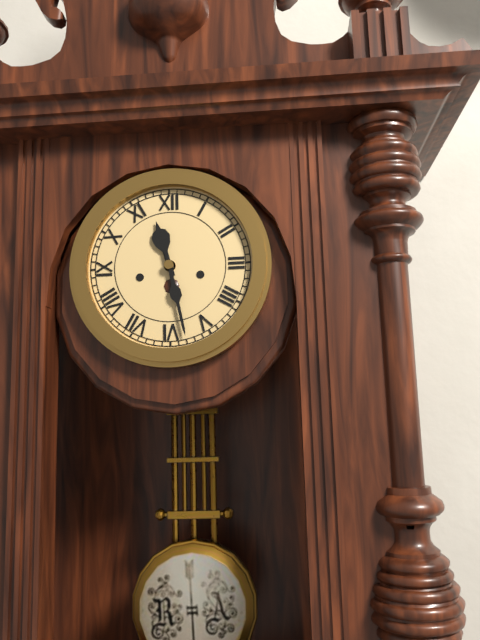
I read h=11 m=28
